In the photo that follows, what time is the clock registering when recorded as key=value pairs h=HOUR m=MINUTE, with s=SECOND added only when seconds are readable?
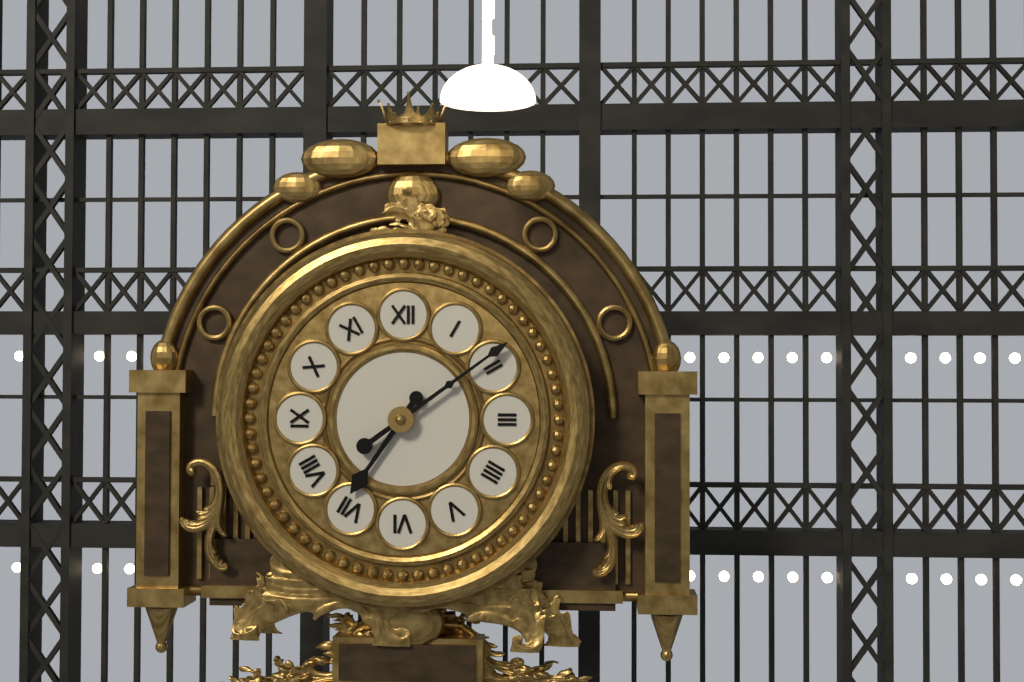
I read h=7 m=9
